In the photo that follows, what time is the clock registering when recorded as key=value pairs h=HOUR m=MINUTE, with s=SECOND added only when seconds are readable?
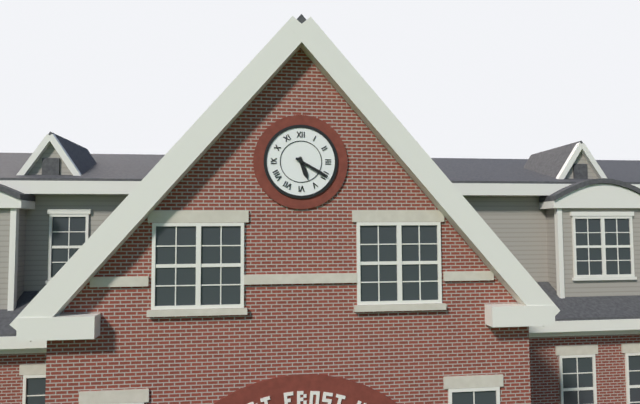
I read h=5 m=20
